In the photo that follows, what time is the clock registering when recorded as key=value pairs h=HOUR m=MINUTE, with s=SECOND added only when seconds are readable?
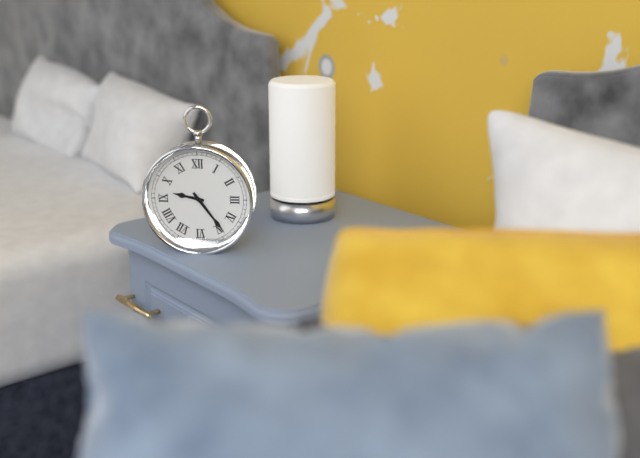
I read h=9 m=24
